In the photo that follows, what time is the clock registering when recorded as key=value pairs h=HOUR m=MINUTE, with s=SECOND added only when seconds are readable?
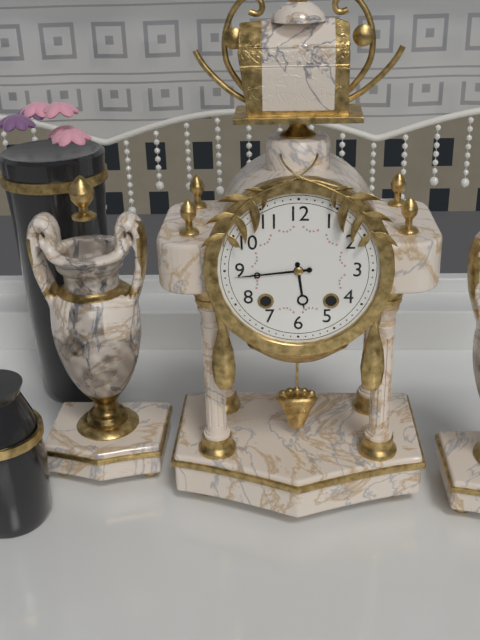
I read h=5 m=44
